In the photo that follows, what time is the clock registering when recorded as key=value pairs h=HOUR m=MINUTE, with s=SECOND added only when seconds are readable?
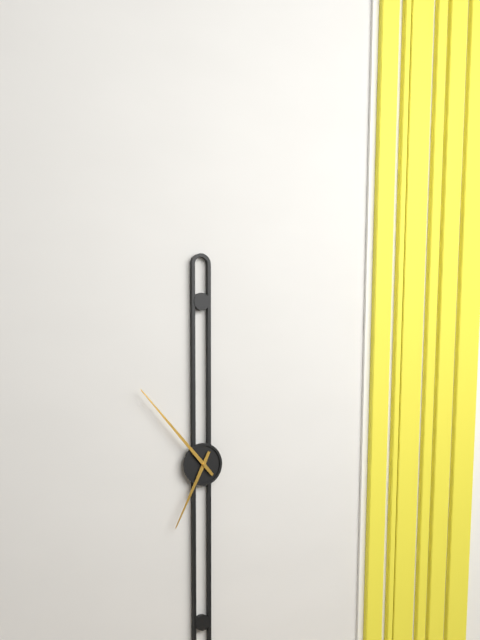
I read h=6 m=53
